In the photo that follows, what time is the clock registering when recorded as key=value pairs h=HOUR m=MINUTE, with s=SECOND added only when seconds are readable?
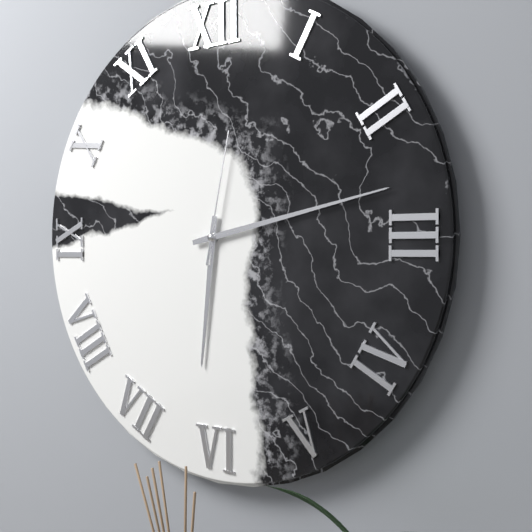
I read h=6 m=13 s=2
